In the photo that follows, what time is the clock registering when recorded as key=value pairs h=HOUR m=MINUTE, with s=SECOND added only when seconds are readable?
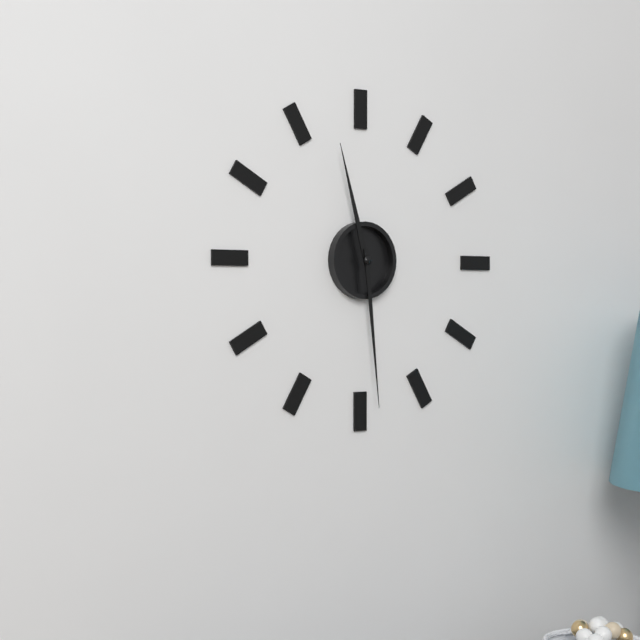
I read h=11 m=29
